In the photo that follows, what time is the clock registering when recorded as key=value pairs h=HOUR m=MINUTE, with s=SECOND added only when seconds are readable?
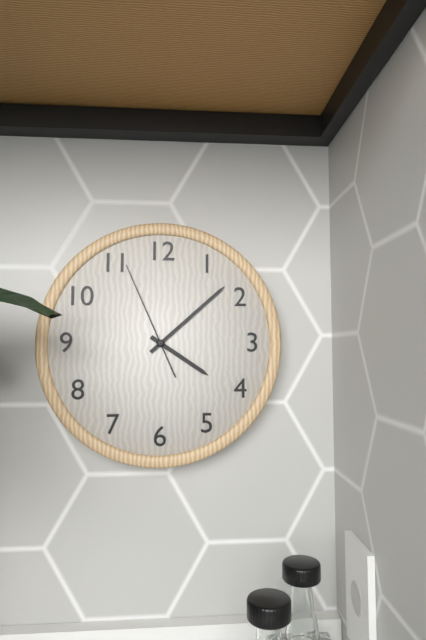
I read h=4 m=8 s=56
